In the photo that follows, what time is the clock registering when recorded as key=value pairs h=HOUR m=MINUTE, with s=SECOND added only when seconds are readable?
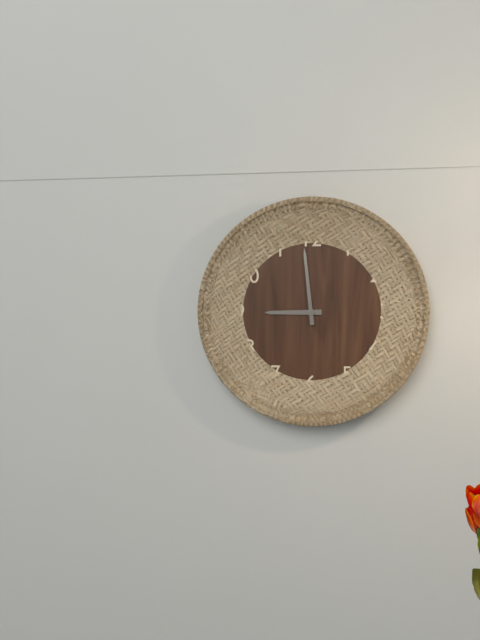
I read h=8 m=59
